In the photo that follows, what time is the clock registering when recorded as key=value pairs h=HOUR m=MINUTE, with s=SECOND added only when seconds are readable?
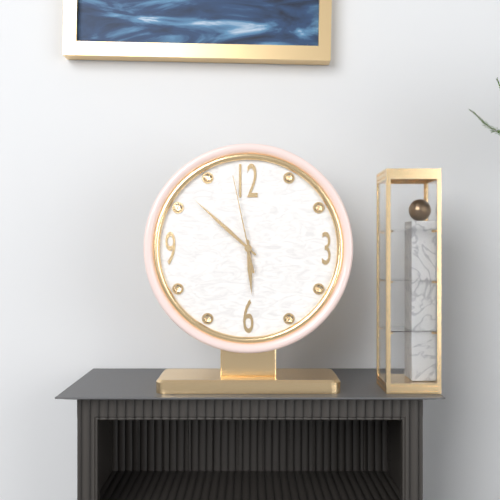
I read h=5 m=52 s=58
